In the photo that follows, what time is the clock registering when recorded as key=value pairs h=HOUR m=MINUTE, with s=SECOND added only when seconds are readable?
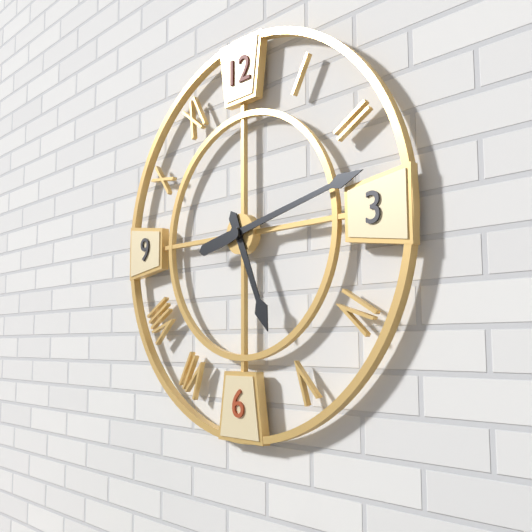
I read h=5 m=13
